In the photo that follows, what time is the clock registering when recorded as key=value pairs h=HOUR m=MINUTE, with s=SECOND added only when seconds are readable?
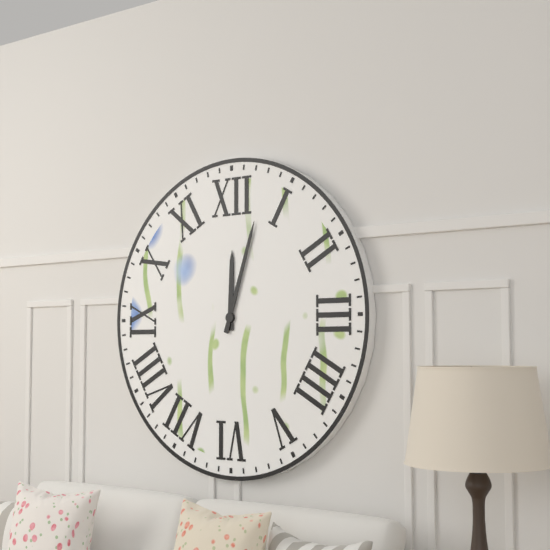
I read h=12 m=3
